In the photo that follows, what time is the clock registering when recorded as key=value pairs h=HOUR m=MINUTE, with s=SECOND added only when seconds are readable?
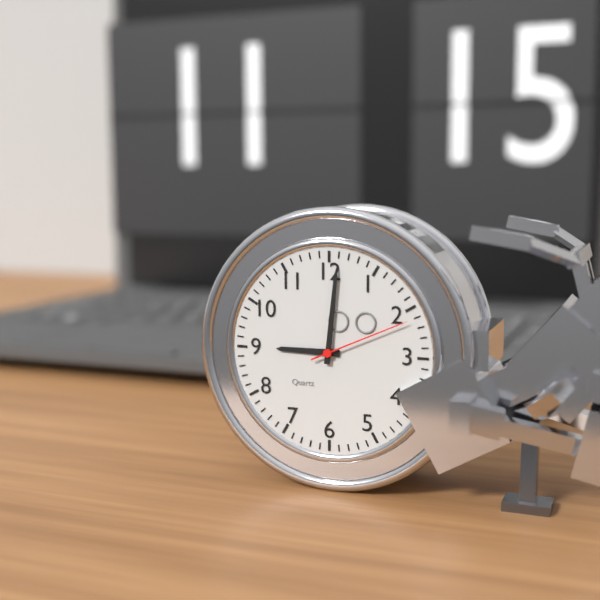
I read h=9 m=1 s=11
